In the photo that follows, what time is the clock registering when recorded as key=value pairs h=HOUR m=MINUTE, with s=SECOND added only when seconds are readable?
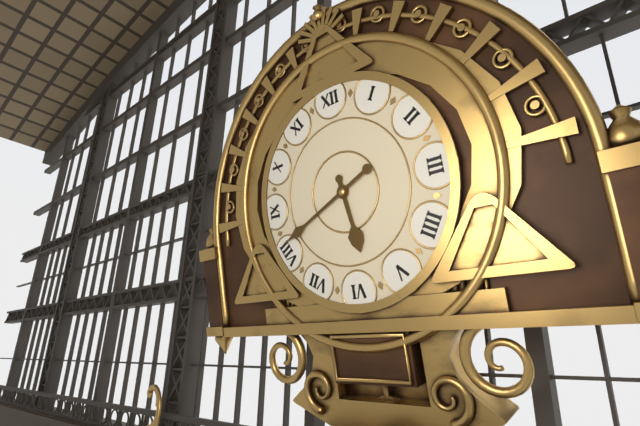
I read h=5 m=41
